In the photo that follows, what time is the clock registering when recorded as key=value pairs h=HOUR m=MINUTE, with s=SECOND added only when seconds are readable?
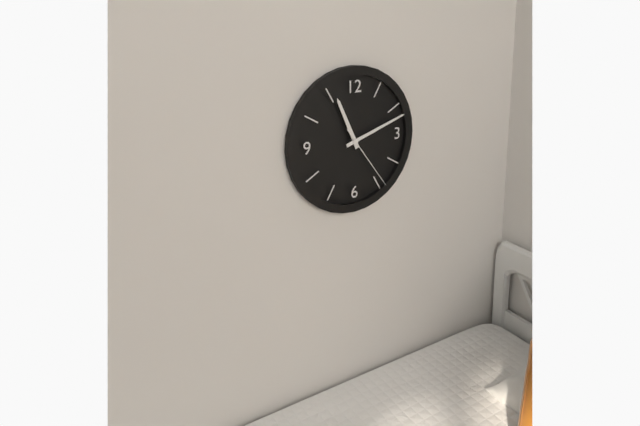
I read h=11 m=12 s=24
